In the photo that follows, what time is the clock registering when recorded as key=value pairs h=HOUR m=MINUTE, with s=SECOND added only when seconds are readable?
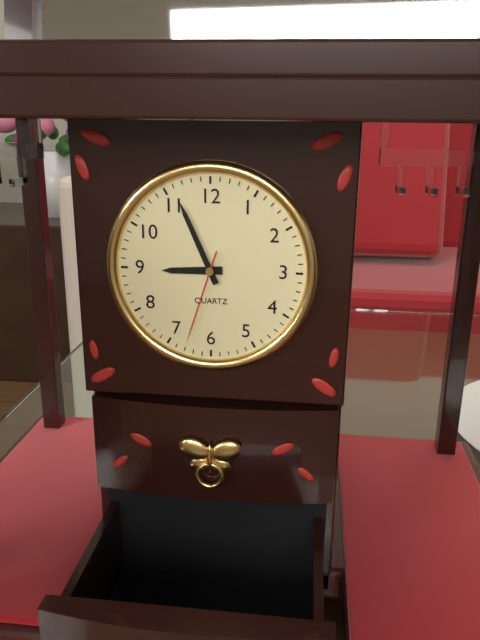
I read h=8 m=56 s=33
